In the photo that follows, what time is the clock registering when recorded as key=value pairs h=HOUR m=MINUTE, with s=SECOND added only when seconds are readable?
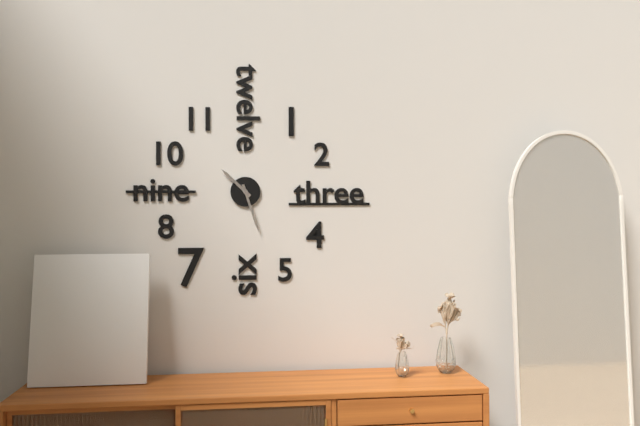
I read h=10 m=27
